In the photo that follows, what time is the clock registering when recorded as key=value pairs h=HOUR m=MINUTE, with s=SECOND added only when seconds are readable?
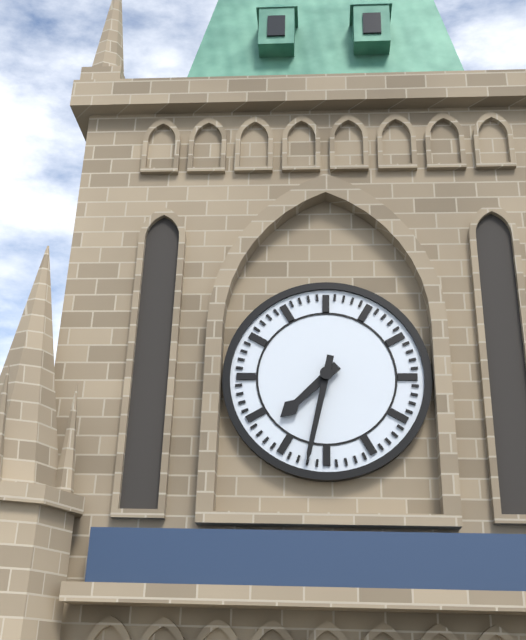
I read h=7 m=32
